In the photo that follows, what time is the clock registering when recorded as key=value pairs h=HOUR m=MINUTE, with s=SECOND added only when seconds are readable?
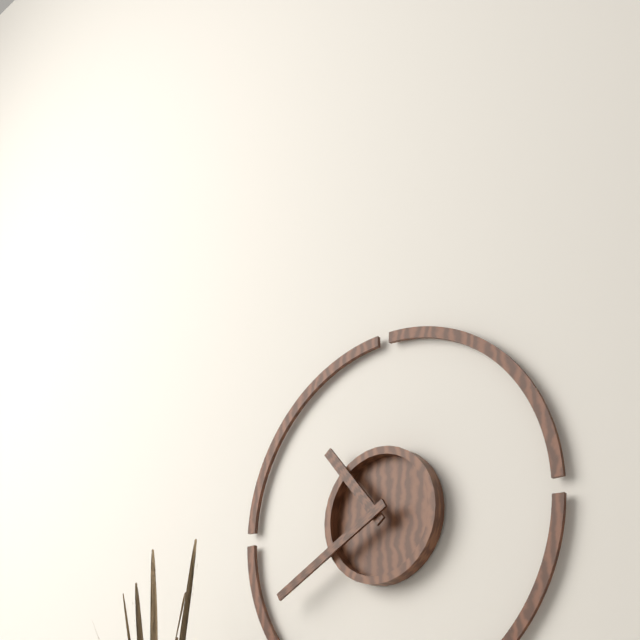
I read h=10 m=40
